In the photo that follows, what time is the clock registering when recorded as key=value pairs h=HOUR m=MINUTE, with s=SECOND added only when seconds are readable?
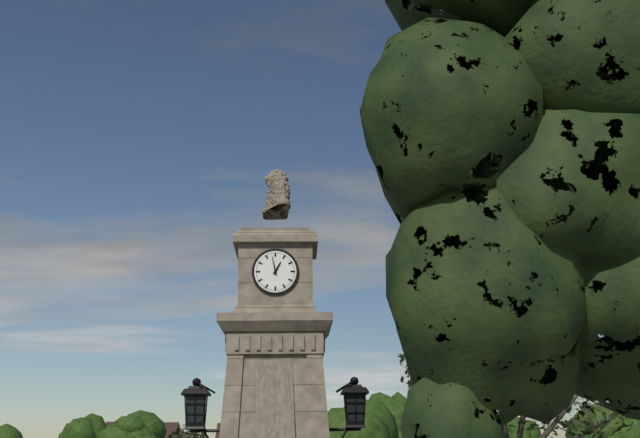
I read h=12 m=58
